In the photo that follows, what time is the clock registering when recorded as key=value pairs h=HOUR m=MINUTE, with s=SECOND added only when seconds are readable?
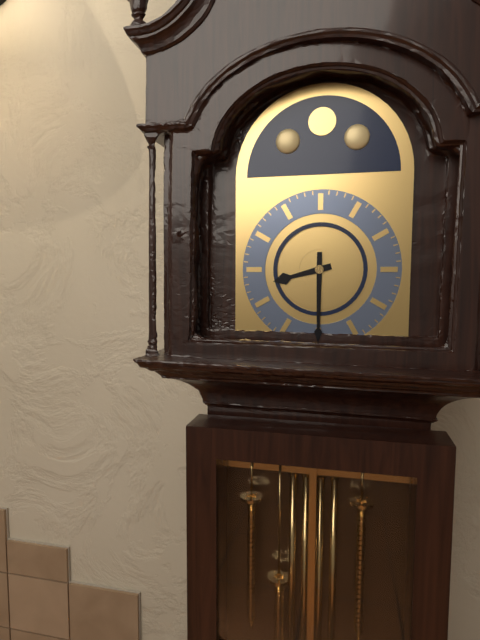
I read h=8 m=30
